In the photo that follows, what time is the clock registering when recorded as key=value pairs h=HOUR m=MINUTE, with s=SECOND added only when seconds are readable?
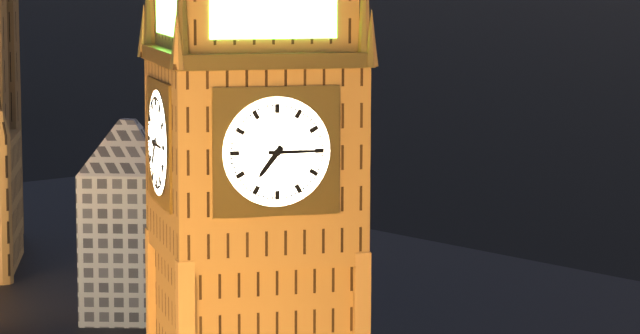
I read h=7 m=15
